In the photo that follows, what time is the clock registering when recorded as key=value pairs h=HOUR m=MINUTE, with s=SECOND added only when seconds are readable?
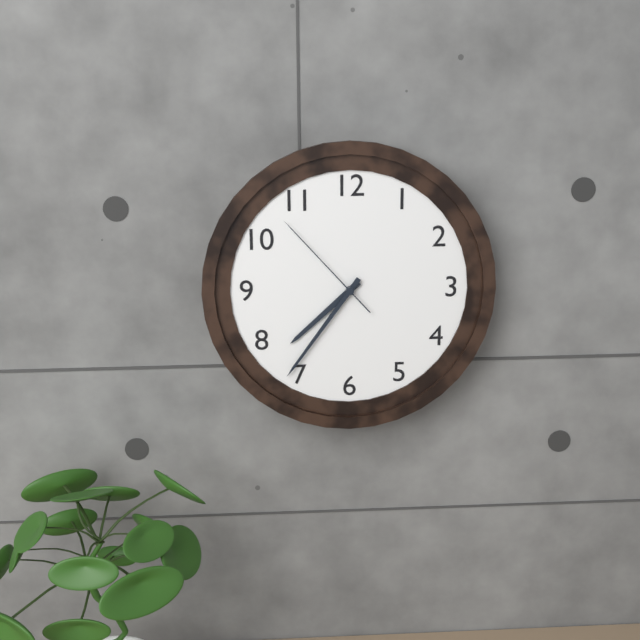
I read h=7 m=36 s=53
